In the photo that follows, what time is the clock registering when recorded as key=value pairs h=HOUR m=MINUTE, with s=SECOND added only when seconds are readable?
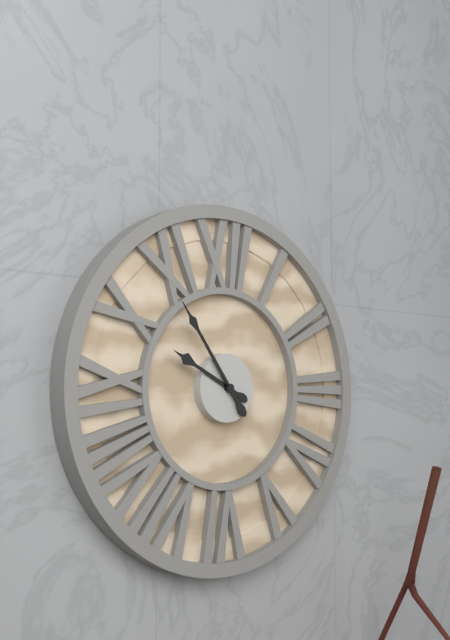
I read h=9 m=54
